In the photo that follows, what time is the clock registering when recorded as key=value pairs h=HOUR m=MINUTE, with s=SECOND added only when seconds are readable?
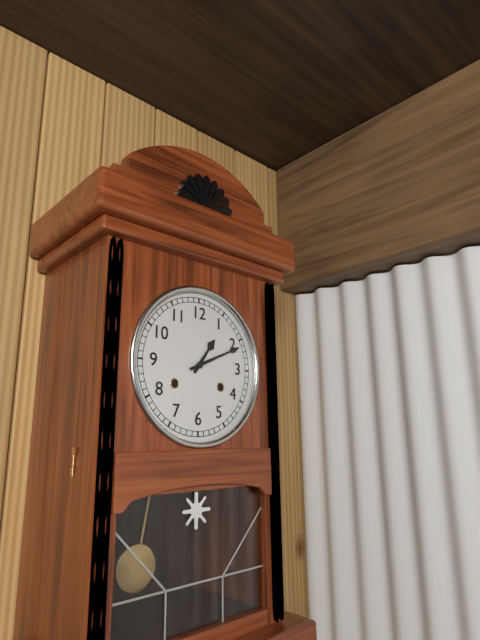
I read h=1 m=11
